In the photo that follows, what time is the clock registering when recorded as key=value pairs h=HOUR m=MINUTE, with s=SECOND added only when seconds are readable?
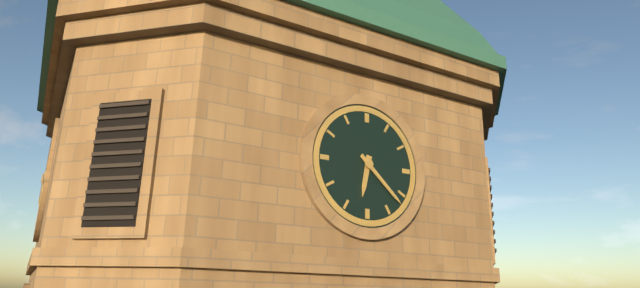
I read h=6 m=22
